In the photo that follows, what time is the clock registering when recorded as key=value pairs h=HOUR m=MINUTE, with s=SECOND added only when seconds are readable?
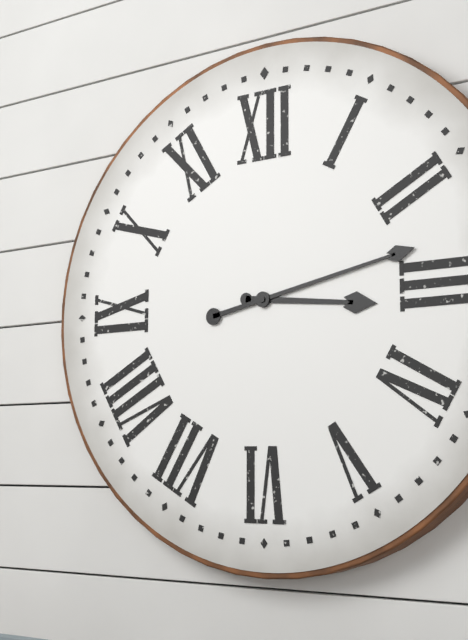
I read h=3 m=13
